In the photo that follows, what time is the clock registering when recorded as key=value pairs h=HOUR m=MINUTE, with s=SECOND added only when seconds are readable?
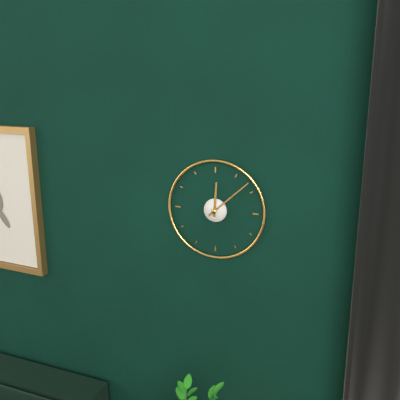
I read h=12 m=8
